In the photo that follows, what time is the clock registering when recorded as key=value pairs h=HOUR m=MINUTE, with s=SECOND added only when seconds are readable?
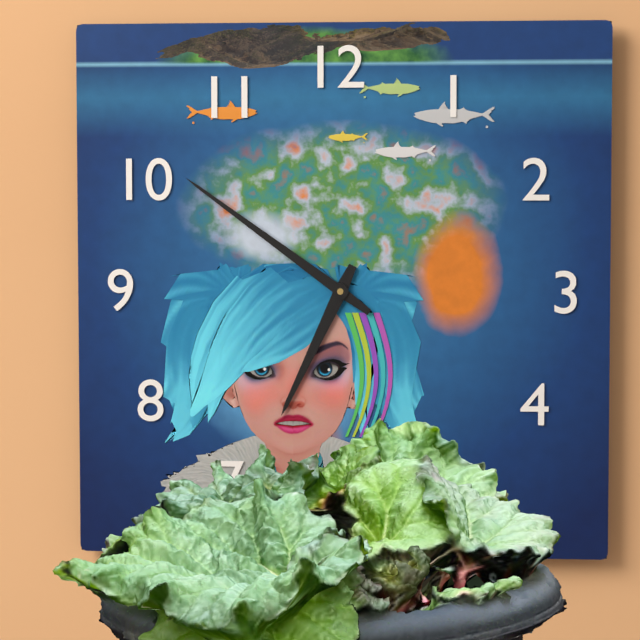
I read h=6 m=51
